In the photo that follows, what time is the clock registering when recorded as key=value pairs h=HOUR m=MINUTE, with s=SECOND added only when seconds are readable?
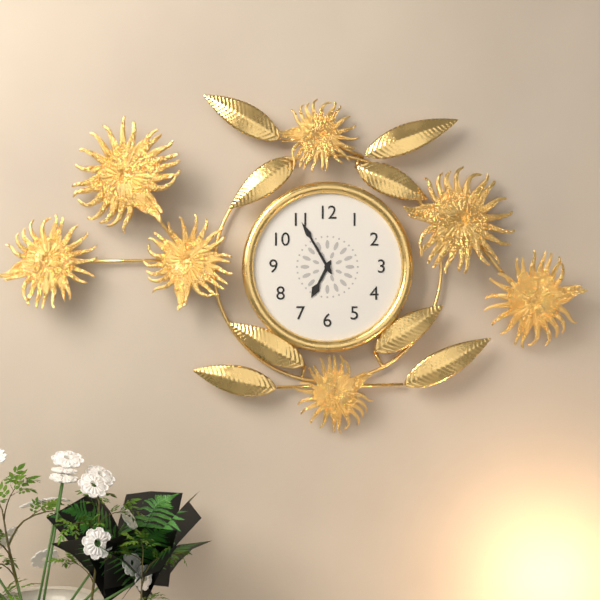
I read h=6 m=55
